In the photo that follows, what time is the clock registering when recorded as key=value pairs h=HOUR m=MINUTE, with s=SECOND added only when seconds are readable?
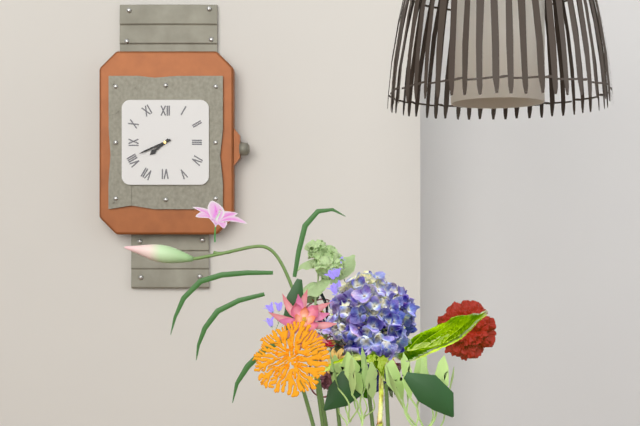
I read h=7 m=41
